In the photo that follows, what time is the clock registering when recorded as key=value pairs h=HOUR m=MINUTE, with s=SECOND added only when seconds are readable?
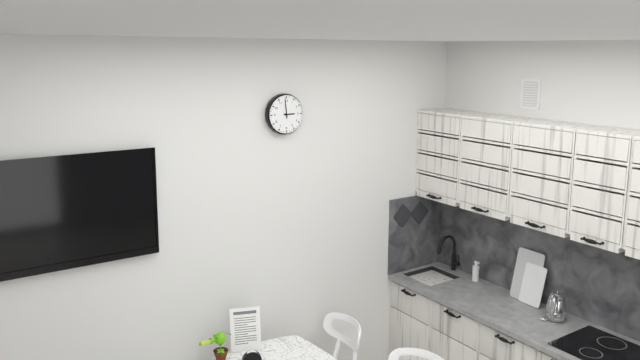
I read h=2 m=59
